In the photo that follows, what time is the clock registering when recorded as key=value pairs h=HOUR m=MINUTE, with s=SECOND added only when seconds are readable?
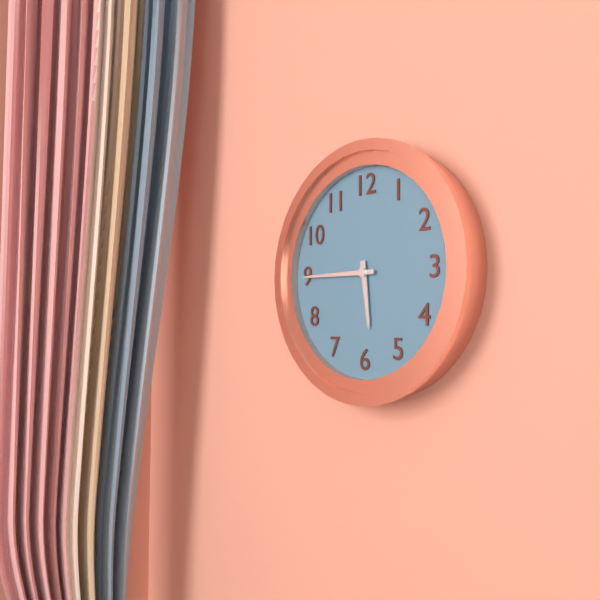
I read h=5 m=45
